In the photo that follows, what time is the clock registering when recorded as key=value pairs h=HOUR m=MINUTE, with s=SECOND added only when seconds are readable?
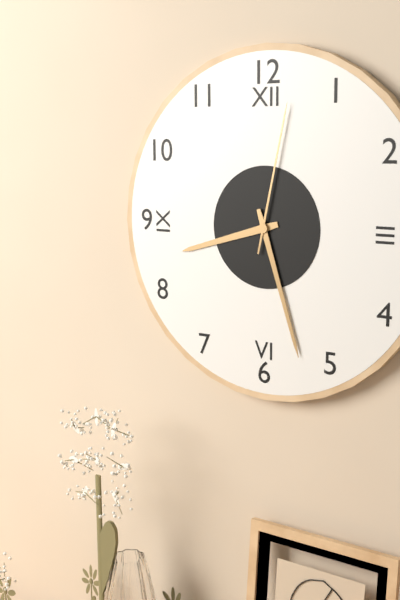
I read h=8 m=27 s=2
